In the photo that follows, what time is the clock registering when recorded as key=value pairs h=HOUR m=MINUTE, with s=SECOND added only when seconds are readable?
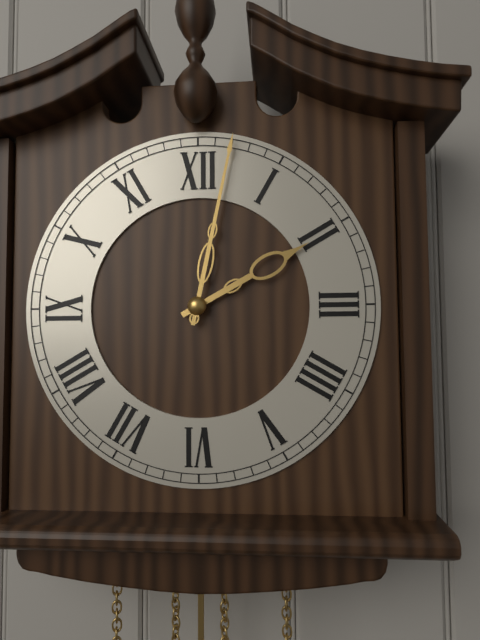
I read h=2 m=2
